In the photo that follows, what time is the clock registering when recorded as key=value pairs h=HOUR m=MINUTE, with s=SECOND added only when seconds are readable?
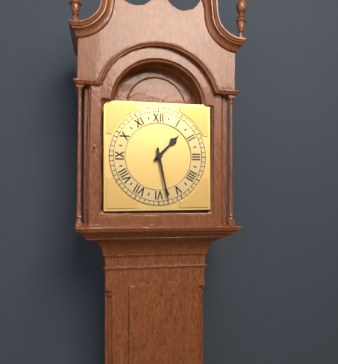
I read h=1 m=28
